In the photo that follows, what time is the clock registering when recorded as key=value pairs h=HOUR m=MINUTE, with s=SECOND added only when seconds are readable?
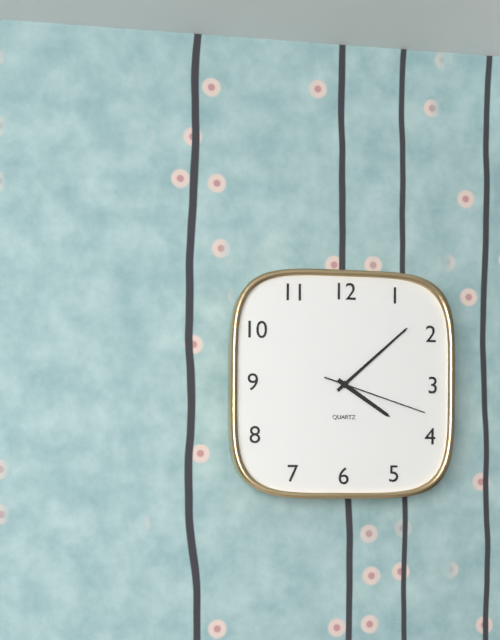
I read h=4 m=8 s=18
